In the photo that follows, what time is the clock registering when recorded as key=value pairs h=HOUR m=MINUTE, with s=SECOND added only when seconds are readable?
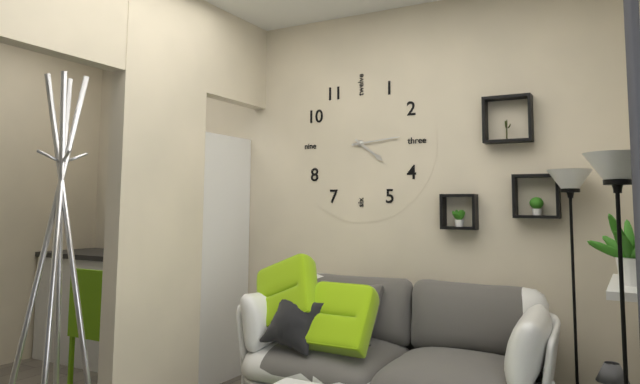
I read h=4 m=14
